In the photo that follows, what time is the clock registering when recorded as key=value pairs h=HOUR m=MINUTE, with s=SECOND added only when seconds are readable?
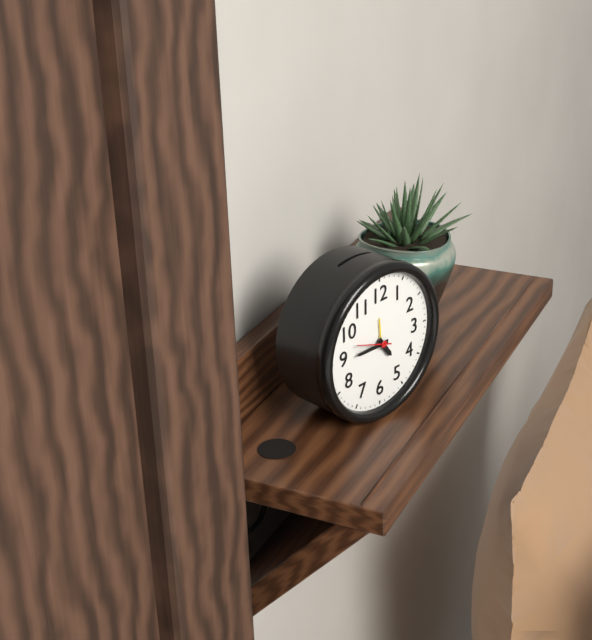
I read h=4 m=45
